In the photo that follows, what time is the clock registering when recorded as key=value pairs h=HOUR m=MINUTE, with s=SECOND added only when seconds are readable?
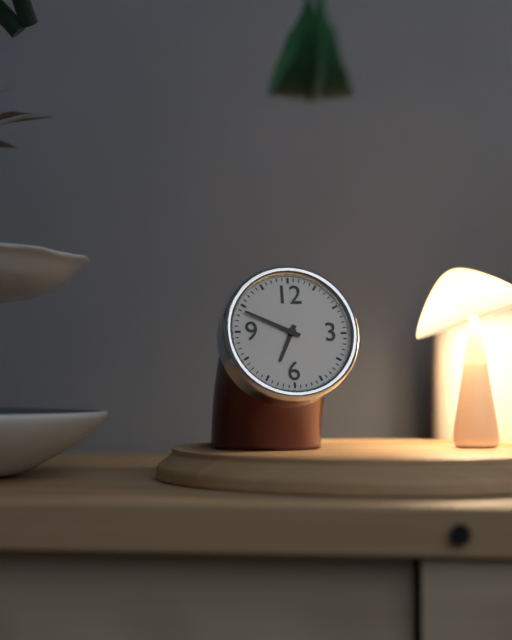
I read h=6 m=49
